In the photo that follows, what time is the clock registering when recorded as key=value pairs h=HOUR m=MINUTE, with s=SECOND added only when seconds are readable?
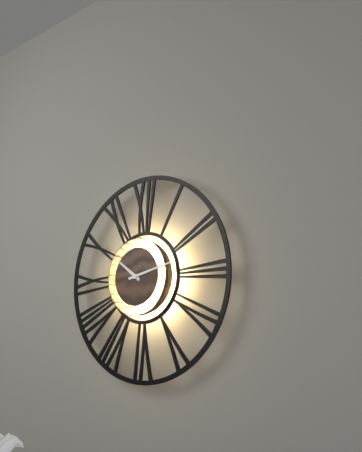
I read h=10 m=13
